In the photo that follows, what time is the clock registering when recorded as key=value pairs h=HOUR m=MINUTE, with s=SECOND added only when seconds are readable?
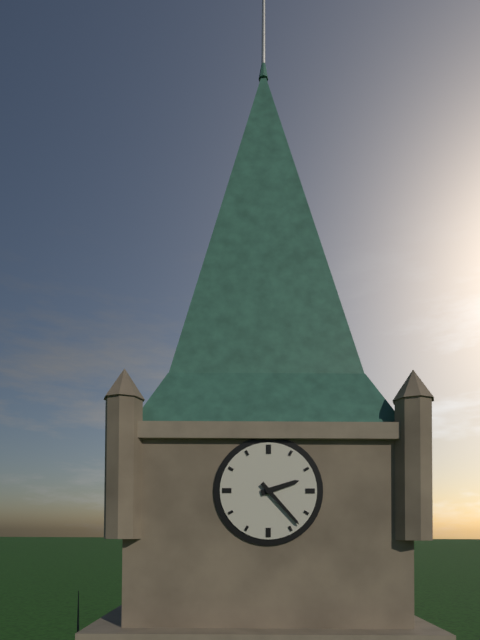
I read h=2 m=23
